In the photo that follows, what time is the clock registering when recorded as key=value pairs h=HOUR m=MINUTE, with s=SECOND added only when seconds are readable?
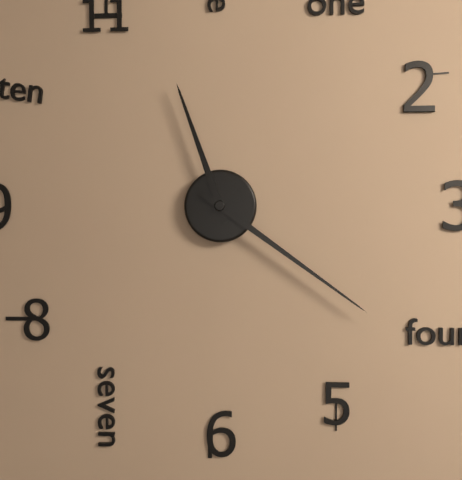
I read h=11 m=21
